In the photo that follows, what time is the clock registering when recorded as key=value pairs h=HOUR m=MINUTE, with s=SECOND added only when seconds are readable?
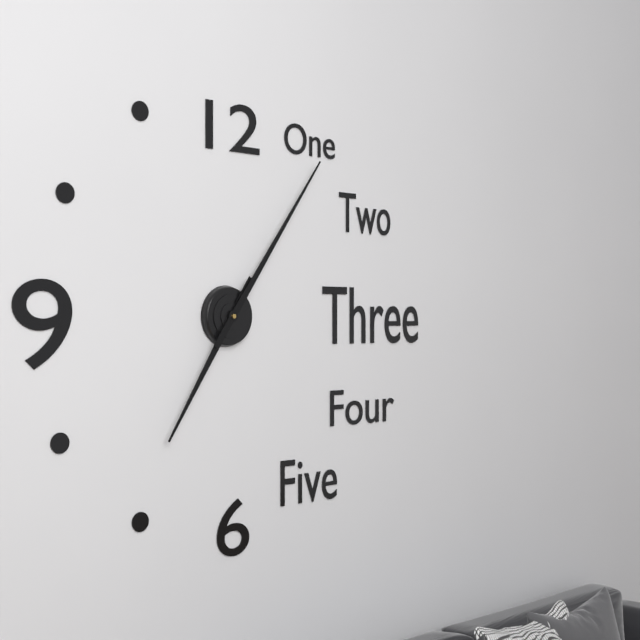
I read h=7 m=6
